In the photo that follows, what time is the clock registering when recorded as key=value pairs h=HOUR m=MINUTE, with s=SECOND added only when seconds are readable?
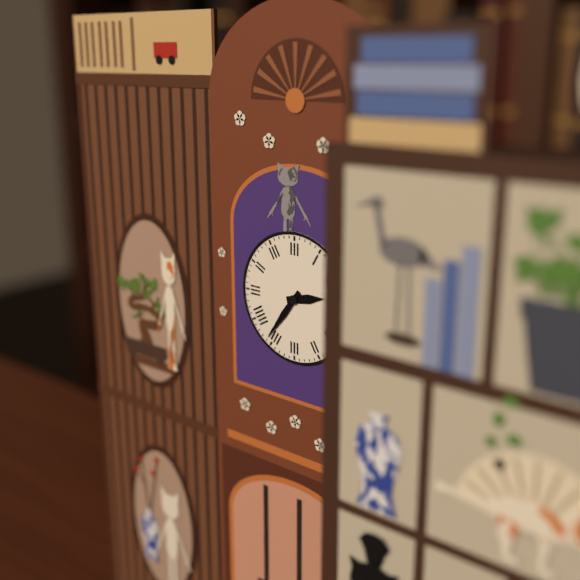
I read h=2 m=36
